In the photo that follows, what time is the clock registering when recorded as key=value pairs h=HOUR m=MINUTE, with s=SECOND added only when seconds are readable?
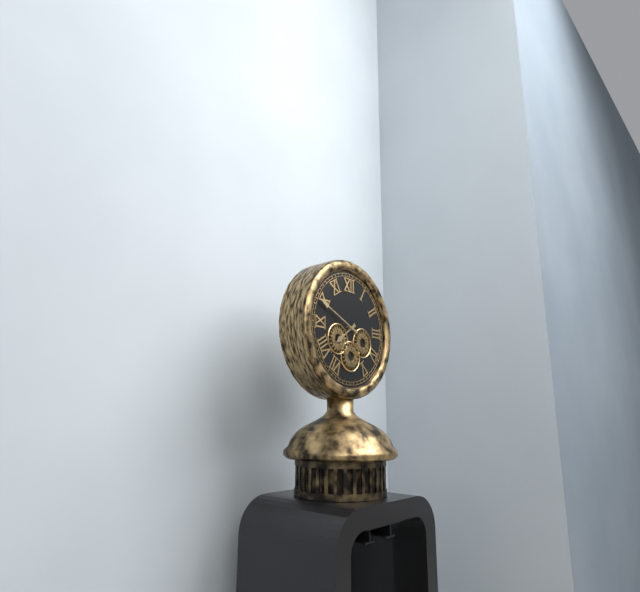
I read h=7 m=49
